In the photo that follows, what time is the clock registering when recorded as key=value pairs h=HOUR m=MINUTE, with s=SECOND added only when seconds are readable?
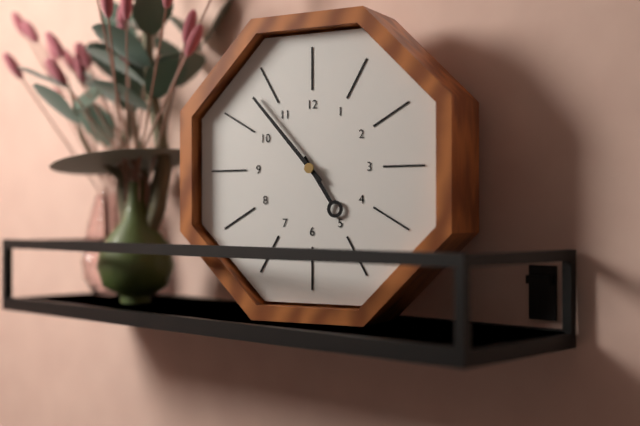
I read h=4 m=53
